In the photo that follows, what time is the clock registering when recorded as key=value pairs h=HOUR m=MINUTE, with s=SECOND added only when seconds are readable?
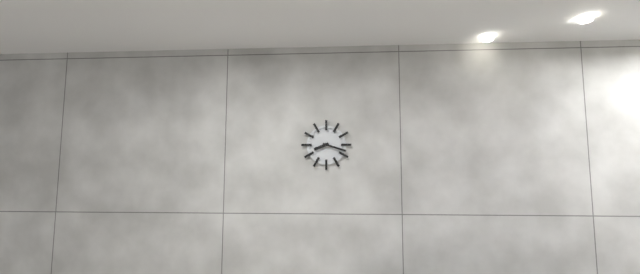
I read h=8 m=18
